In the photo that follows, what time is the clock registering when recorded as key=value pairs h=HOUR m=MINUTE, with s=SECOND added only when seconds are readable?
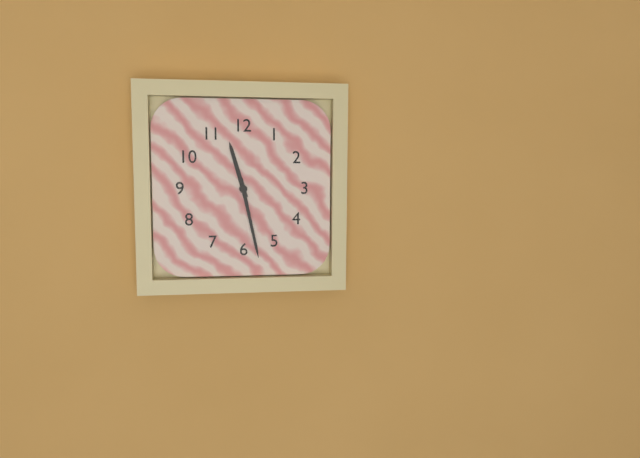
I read h=11 m=28
